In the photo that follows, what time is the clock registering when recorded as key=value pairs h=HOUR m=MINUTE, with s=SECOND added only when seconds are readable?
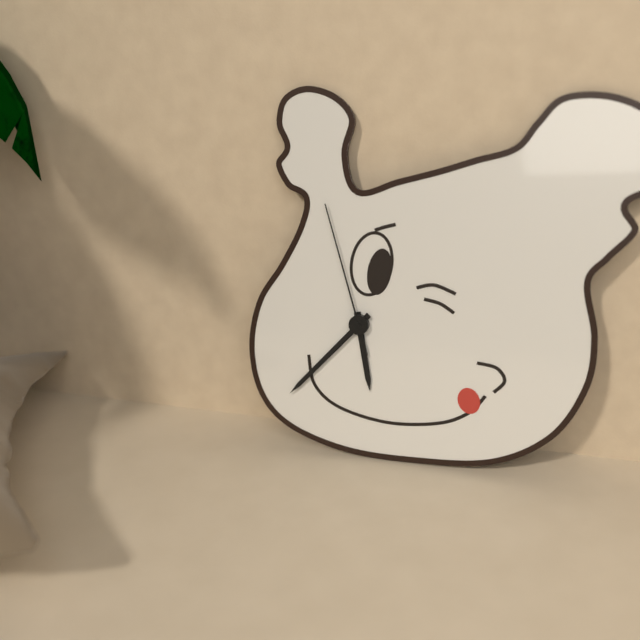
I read h=5 m=37 s=57
